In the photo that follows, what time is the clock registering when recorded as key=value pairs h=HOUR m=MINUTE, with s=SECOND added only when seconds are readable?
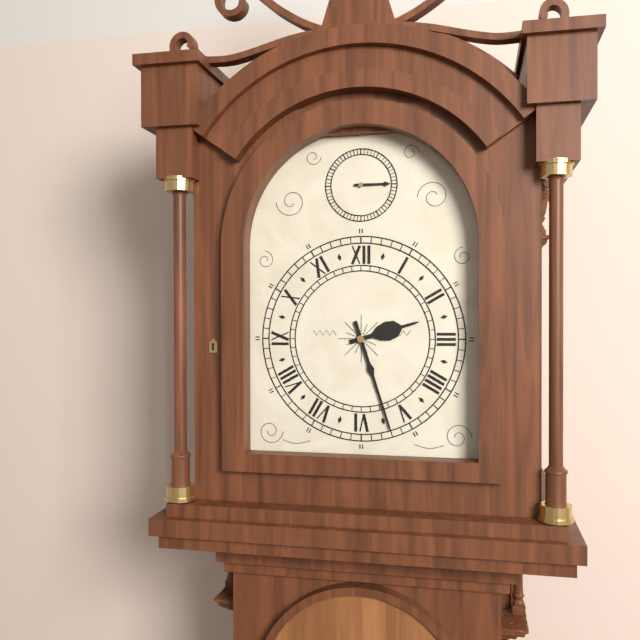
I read h=2 m=27
